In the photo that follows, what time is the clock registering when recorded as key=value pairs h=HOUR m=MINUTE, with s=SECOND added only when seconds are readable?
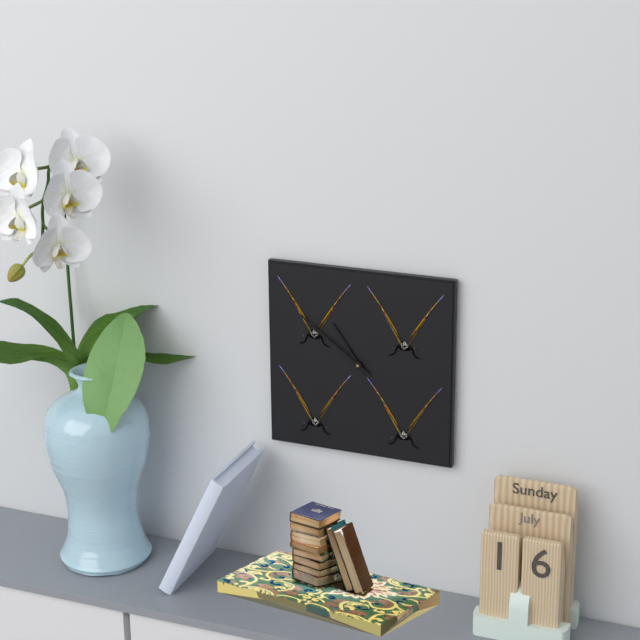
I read h=10 m=51
